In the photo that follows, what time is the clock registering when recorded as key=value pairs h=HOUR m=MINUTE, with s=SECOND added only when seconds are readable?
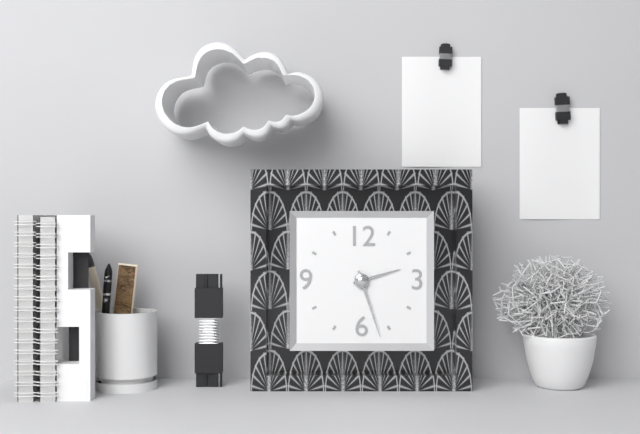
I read h=2 m=27
